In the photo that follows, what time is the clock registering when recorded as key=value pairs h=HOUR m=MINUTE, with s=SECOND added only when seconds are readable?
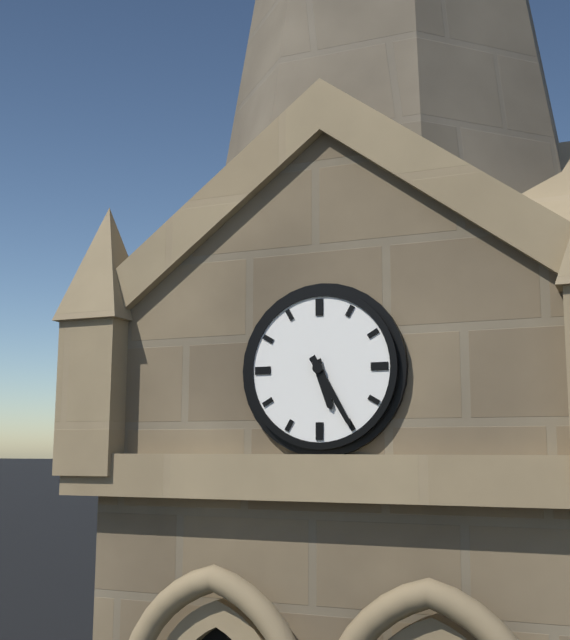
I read h=5 m=25
